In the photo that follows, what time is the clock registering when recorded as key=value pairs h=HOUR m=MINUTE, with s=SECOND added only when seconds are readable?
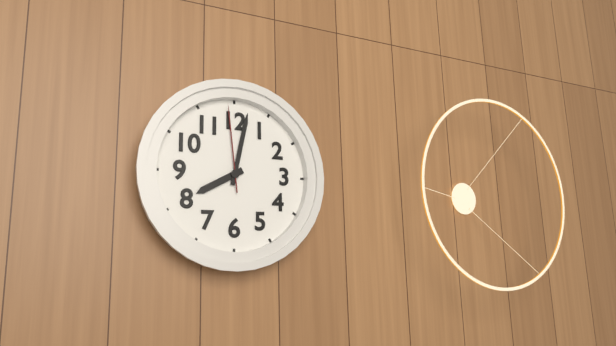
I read h=8 m=2 s=59
